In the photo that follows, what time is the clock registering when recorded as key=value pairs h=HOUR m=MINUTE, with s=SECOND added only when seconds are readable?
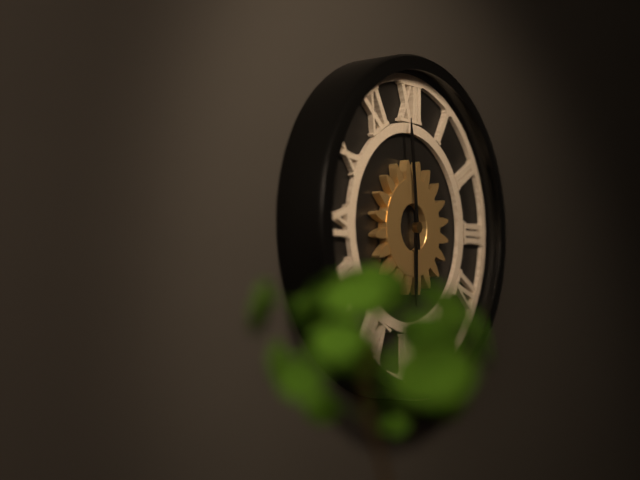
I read h=5 m=59
